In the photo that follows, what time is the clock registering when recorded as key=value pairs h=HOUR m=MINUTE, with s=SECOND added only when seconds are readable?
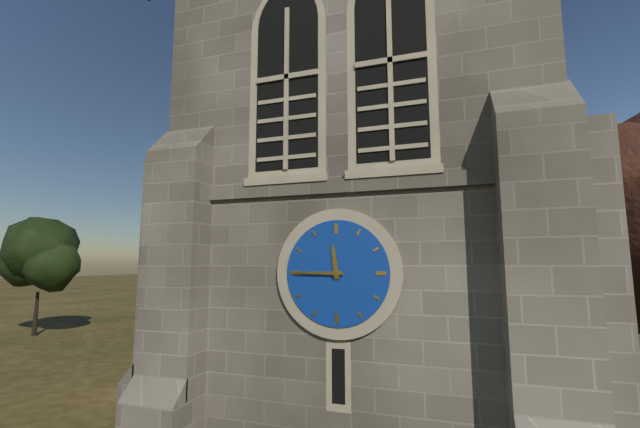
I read h=11 m=45
